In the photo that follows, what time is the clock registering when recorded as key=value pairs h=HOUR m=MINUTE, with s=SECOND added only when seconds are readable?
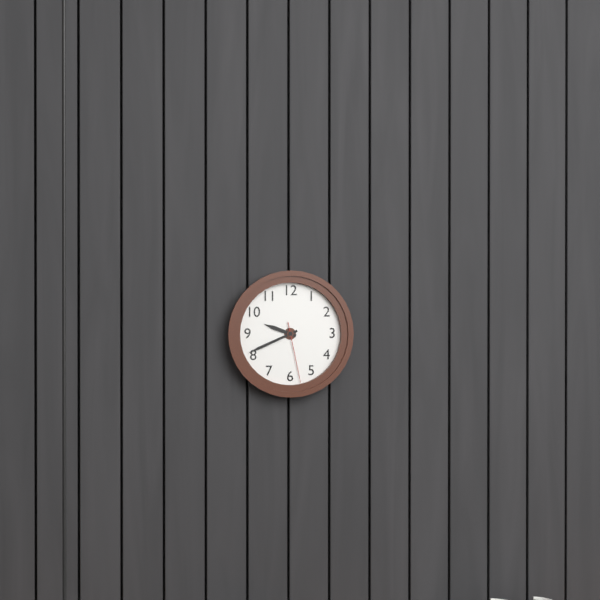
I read h=9 m=41 s=28
